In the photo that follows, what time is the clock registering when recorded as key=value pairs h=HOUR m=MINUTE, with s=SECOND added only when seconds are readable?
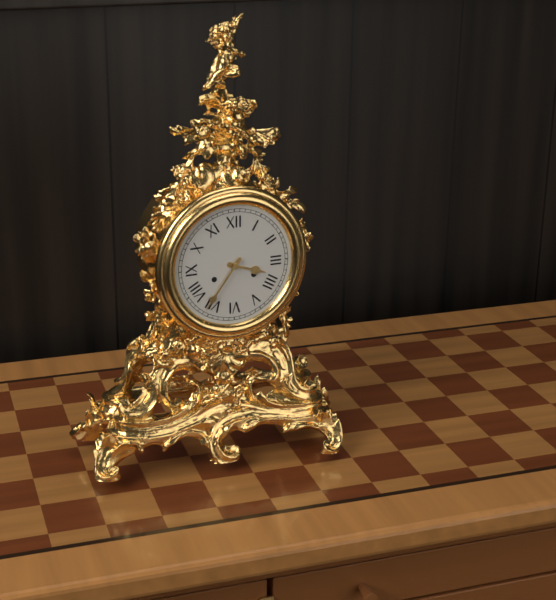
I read h=3 m=36
